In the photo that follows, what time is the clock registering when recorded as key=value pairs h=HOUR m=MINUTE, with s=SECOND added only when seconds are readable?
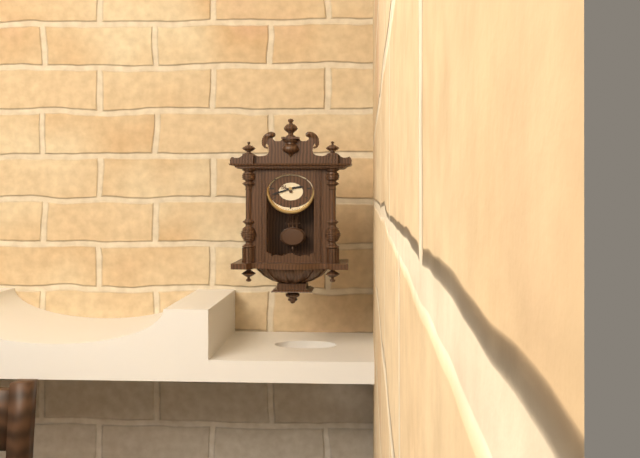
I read h=2 m=42
